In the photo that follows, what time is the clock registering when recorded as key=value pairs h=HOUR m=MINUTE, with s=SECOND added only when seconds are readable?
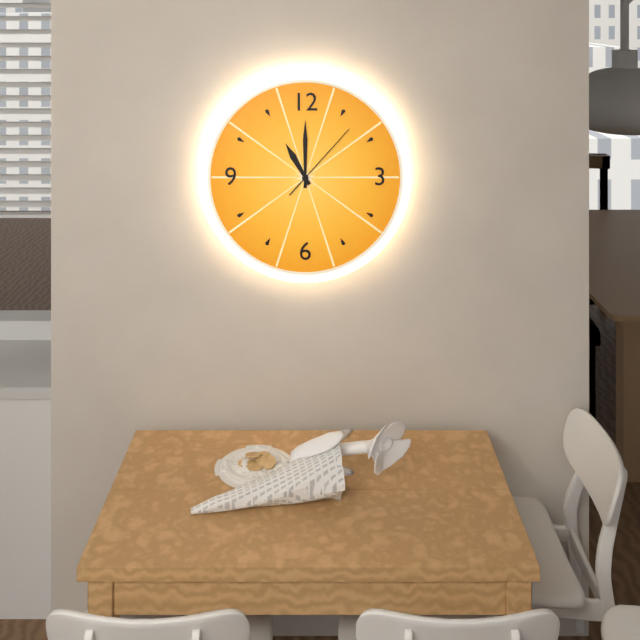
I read h=11 m=0 s=7
